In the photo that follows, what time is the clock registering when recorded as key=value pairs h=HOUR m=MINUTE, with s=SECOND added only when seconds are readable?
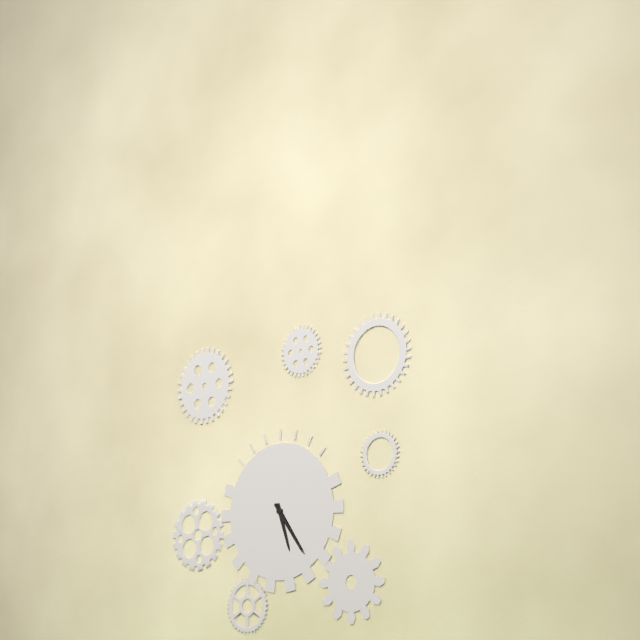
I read h=5 m=24
